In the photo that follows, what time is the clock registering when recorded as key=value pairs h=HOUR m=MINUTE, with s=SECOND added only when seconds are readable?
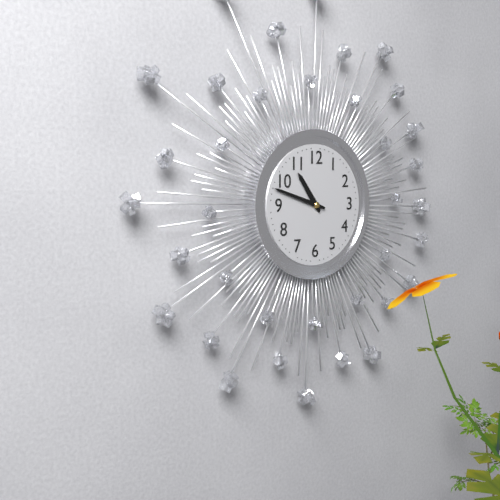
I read h=10 m=48
